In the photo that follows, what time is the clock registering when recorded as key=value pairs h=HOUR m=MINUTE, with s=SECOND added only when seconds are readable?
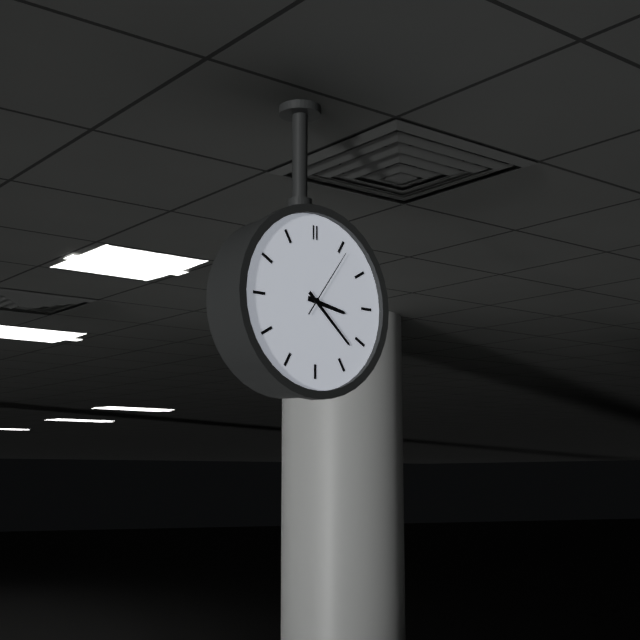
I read h=3 m=22 s=6
